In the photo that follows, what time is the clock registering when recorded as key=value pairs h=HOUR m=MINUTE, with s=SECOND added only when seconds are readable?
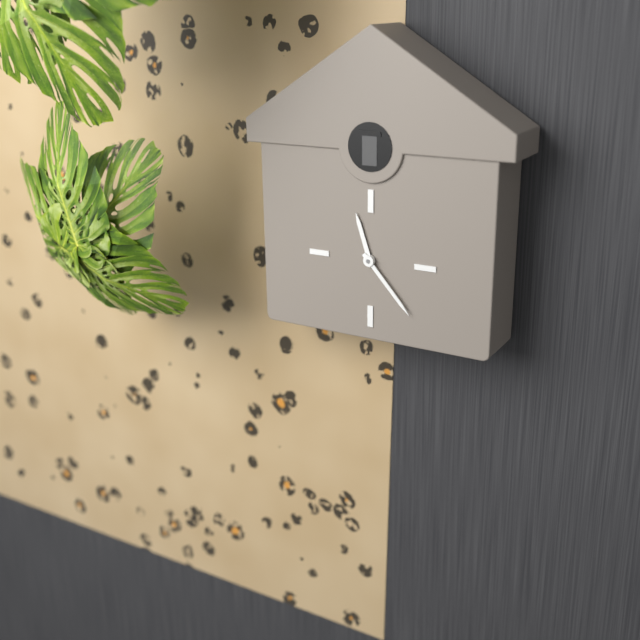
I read h=11 m=23
